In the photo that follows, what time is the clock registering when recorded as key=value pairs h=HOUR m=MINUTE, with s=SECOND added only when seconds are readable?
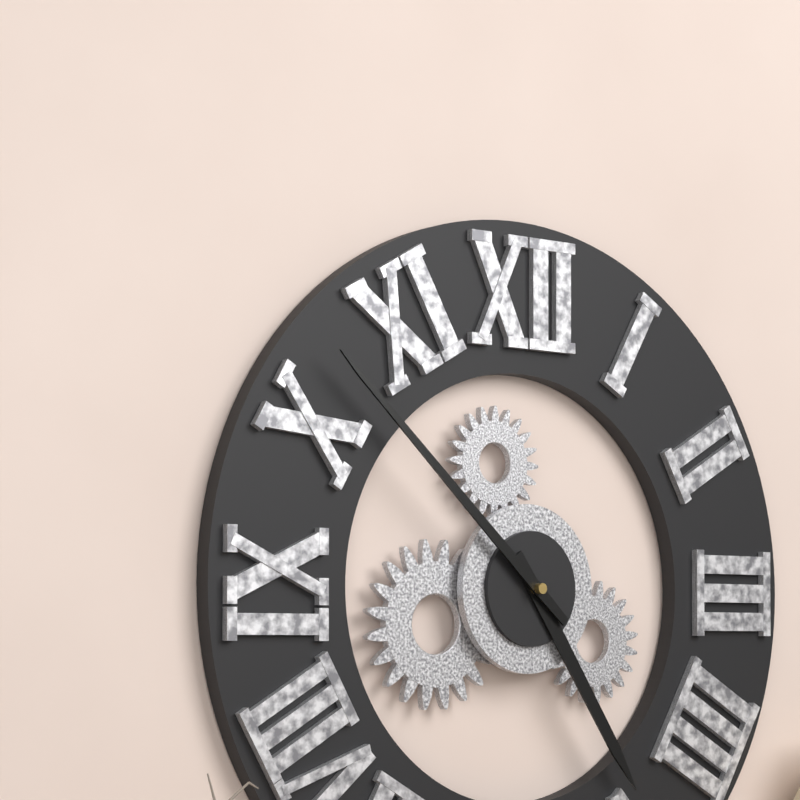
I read h=4 m=52
